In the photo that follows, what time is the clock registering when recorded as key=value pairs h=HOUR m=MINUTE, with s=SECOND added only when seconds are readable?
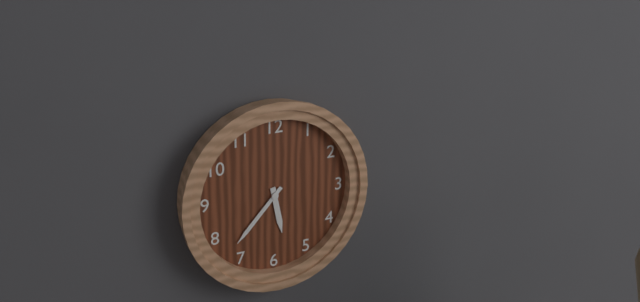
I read h=5 m=37
